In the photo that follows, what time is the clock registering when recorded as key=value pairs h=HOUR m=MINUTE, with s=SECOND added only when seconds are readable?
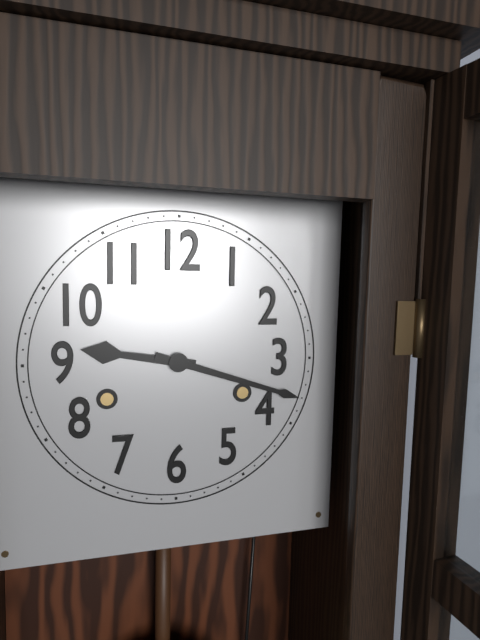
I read h=9 m=18
